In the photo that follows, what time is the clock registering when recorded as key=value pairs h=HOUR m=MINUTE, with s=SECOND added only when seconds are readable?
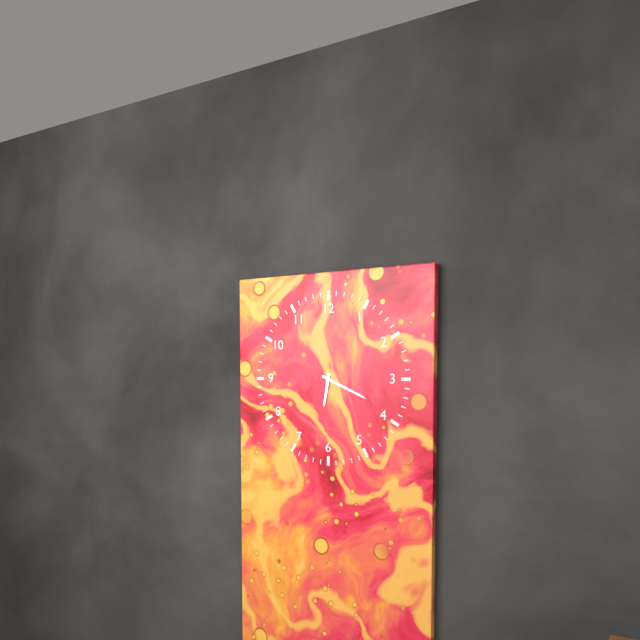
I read h=6 m=19
